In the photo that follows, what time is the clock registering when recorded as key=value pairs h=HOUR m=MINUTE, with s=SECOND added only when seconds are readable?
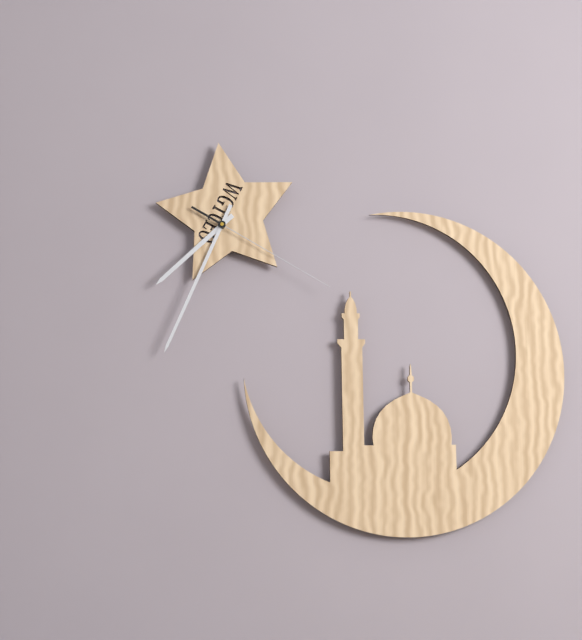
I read h=7 m=34 s=20
